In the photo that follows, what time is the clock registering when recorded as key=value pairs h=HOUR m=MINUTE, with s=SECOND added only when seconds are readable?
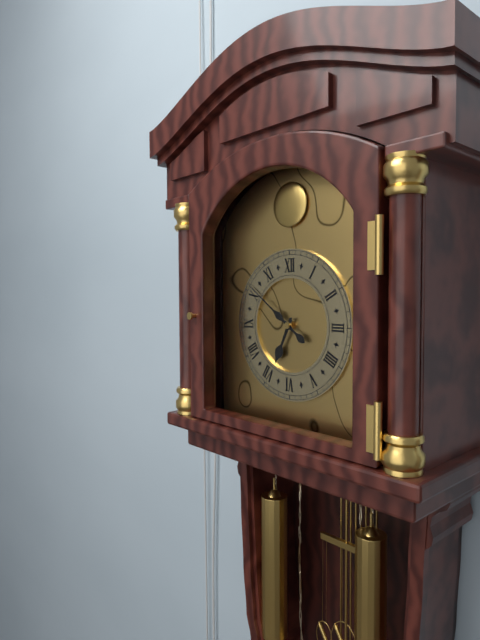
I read h=6 m=51
